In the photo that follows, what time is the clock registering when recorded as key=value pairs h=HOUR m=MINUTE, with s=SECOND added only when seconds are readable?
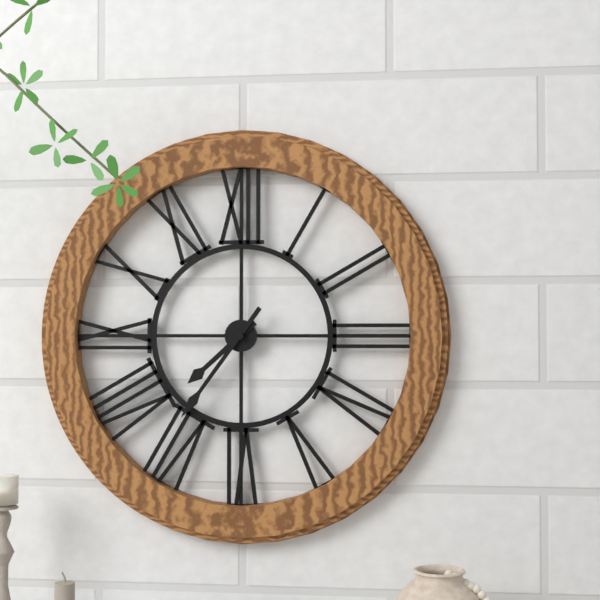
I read h=7 m=36
